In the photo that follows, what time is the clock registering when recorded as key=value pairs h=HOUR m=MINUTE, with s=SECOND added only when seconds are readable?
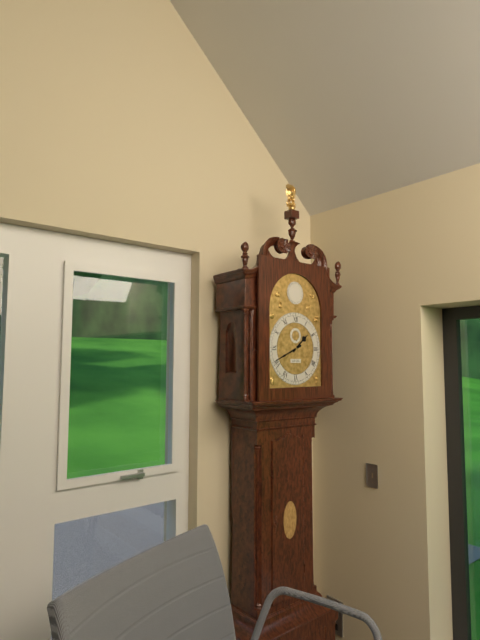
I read h=1 m=41
